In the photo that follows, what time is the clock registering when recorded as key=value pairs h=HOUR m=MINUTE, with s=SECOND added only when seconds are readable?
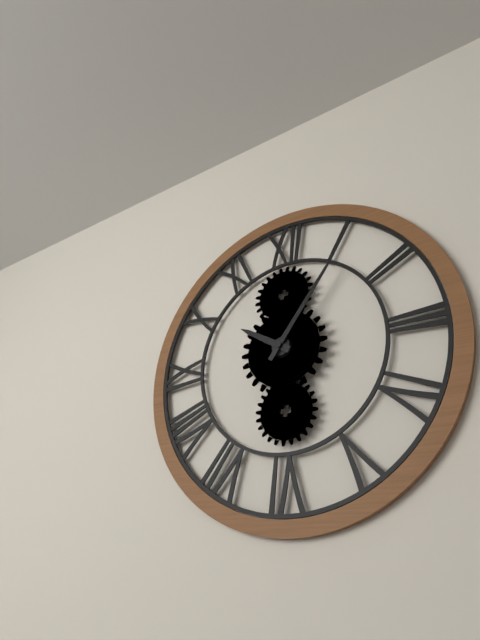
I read h=10 m=6
